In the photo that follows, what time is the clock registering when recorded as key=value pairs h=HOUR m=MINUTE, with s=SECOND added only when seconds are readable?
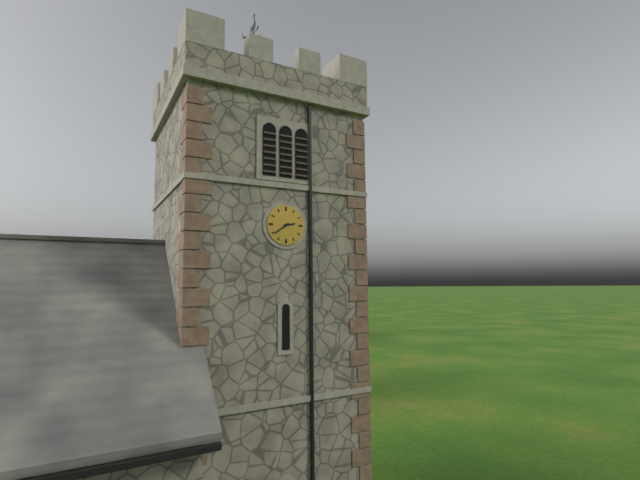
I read h=2 m=39
